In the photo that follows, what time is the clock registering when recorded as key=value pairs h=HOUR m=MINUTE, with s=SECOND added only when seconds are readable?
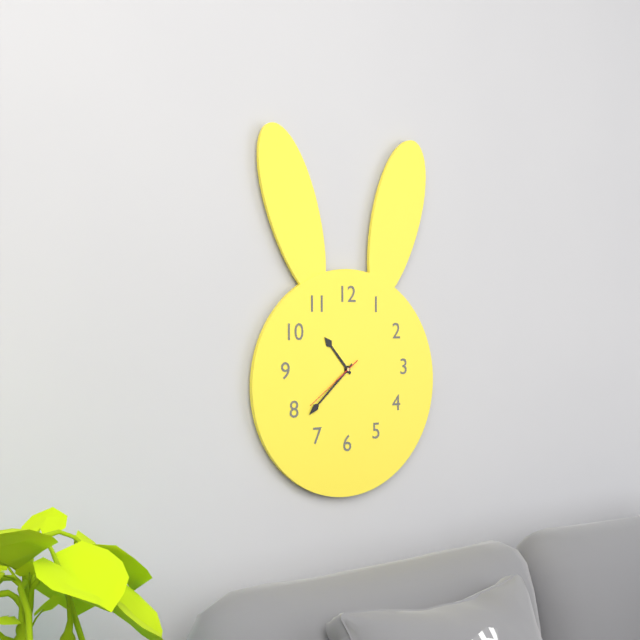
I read h=10 m=38 s=39
